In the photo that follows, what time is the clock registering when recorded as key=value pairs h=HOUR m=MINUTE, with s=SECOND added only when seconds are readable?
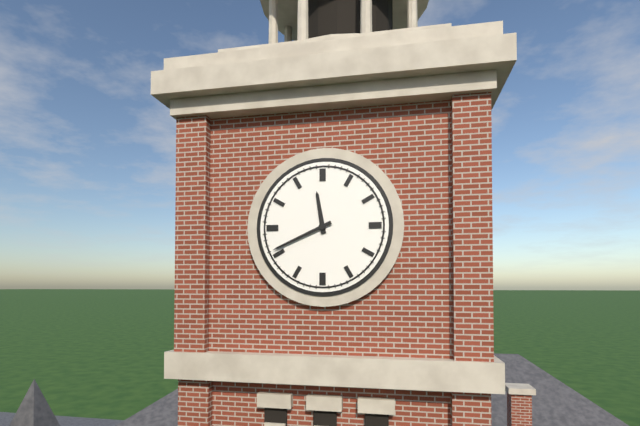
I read h=11 m=41
